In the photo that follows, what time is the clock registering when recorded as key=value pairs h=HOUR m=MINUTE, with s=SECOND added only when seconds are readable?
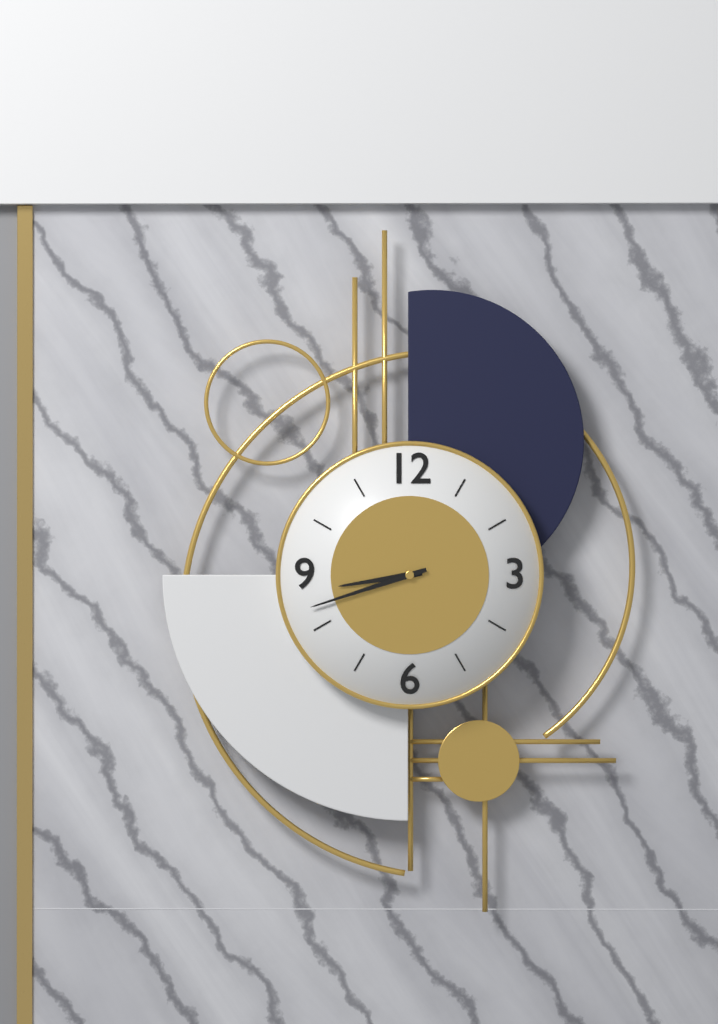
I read h=8 m=42
